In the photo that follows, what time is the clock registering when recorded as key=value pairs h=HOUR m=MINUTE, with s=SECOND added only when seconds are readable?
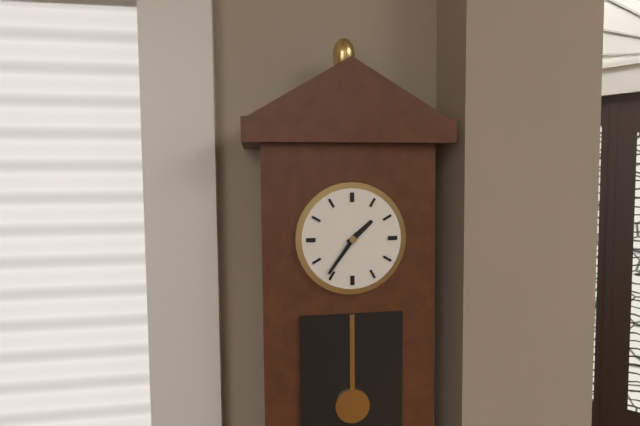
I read h=1 m=36
